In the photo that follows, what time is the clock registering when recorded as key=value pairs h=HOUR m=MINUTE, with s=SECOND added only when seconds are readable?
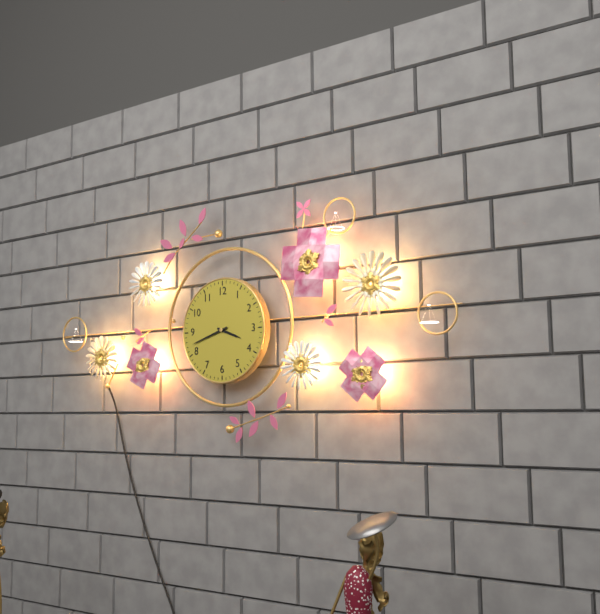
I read h=3 m=42
